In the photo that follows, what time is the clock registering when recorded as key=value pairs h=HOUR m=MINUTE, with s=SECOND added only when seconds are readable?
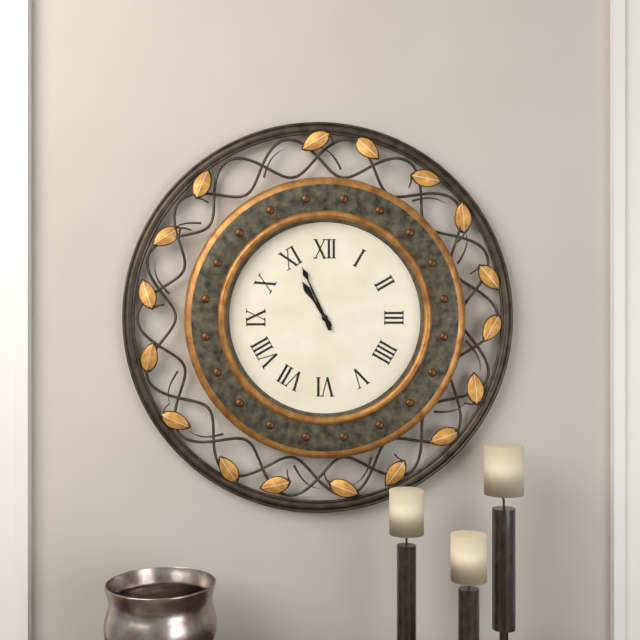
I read h=10 m=56
